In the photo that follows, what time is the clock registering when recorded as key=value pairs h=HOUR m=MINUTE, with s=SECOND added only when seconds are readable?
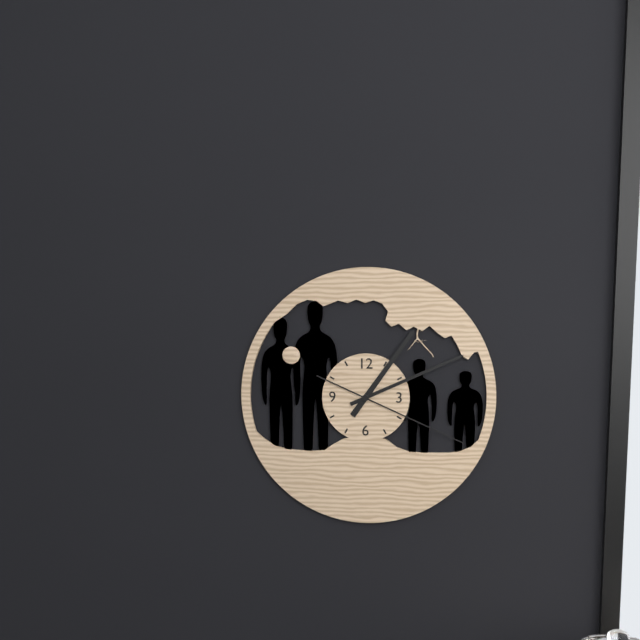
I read h=1 m=11 s=19
